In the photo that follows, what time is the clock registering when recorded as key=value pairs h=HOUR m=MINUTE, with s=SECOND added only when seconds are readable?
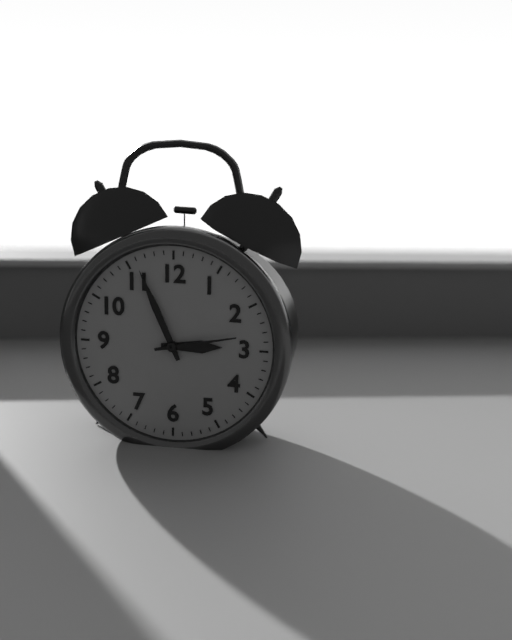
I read h=2 m=56 s=13
